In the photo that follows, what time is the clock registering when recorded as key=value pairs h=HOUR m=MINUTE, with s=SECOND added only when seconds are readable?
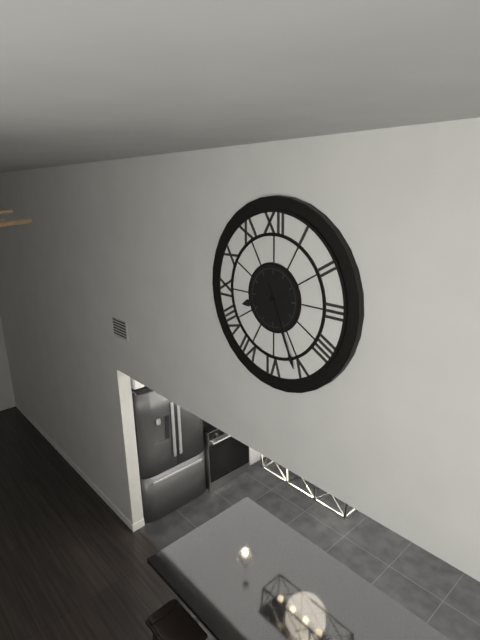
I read h=8 m=26
